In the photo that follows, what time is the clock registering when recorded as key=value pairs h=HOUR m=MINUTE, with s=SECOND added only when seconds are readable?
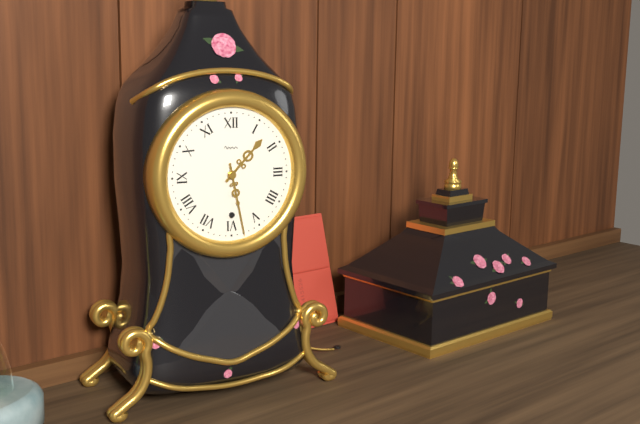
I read h=1 m=28
